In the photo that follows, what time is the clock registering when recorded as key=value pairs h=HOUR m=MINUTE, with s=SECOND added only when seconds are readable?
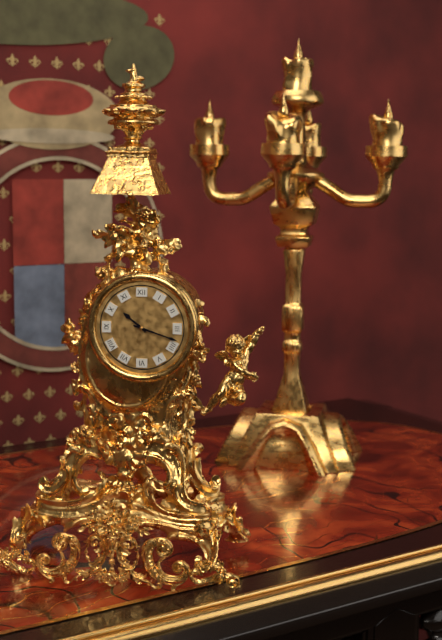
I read h=10 m=18
